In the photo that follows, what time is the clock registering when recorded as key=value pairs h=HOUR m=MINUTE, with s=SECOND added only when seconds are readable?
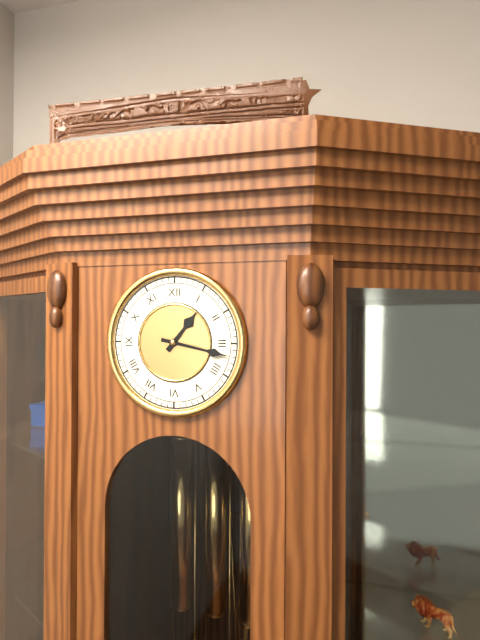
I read h=1 m=17
